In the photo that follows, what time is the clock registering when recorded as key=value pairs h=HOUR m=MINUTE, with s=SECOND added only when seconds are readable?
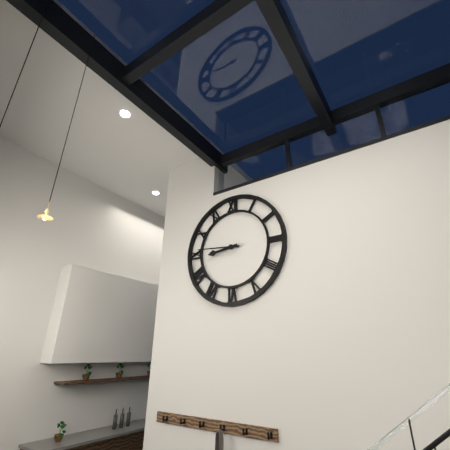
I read h=8 m=46
